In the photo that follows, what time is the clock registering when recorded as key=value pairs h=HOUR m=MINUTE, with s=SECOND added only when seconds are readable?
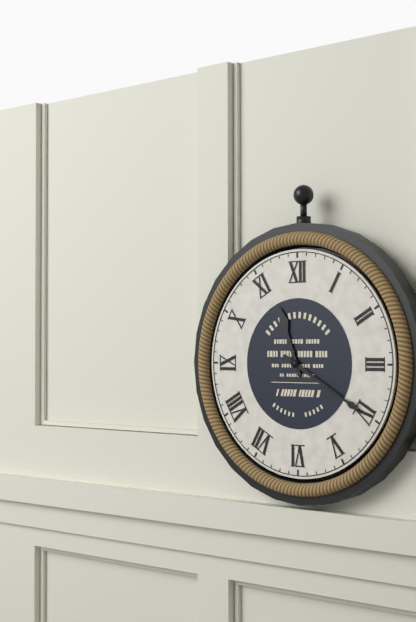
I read h=11 m=20
